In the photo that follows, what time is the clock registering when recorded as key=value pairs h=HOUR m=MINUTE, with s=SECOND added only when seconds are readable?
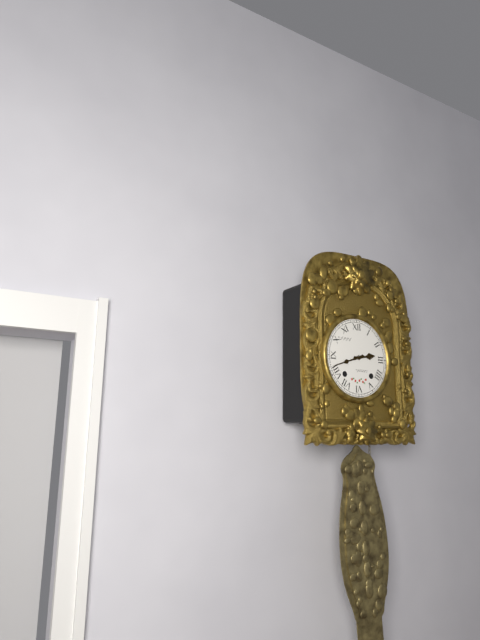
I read h=2 m=42
